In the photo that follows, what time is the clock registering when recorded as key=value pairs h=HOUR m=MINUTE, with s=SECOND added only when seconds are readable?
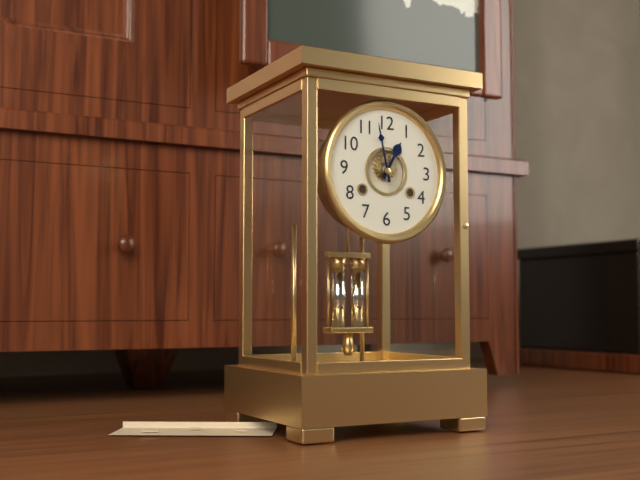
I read h=12 m=58
